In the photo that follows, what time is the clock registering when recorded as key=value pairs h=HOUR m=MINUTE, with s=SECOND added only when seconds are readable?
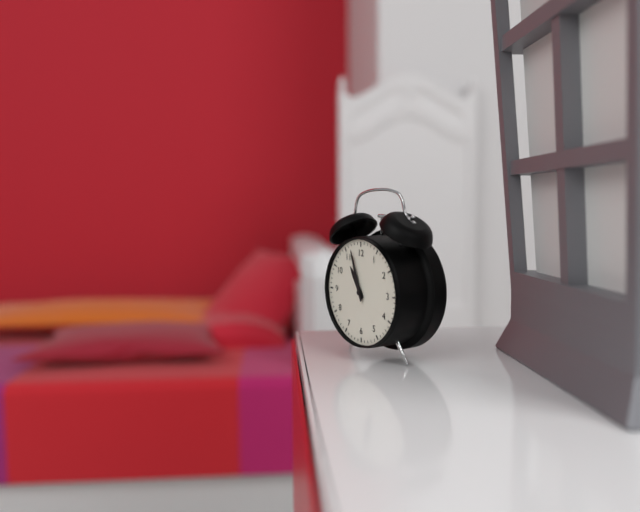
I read h=10 m=57
